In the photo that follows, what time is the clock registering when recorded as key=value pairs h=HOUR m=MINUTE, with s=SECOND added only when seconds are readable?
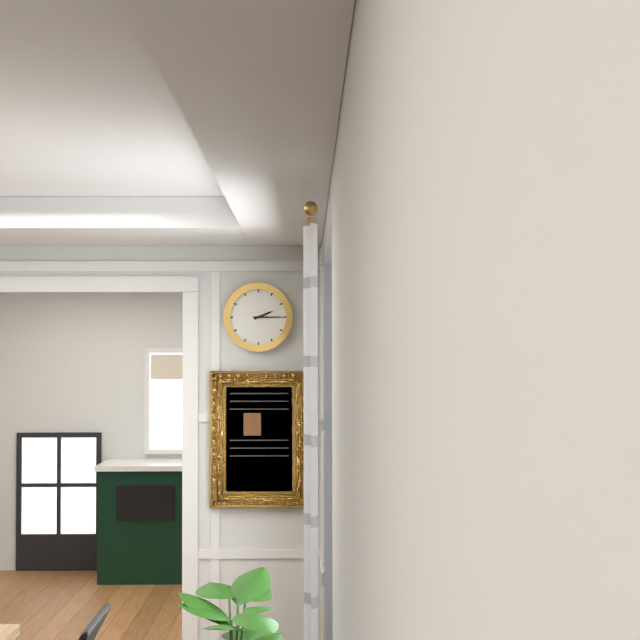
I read h=2 m=15
